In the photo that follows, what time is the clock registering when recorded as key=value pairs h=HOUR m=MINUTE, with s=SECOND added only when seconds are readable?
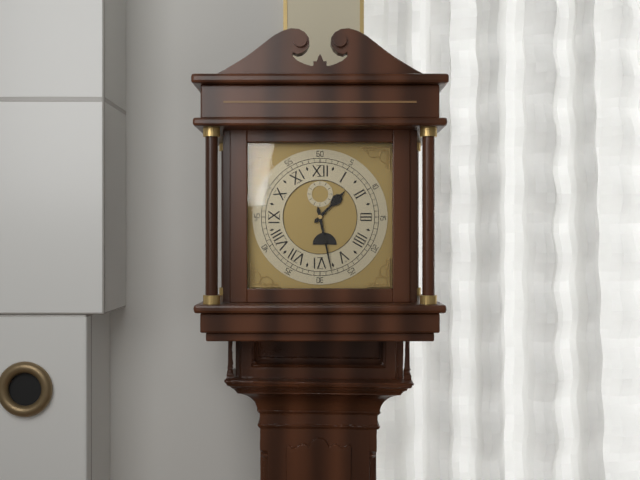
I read h=1 m=28
